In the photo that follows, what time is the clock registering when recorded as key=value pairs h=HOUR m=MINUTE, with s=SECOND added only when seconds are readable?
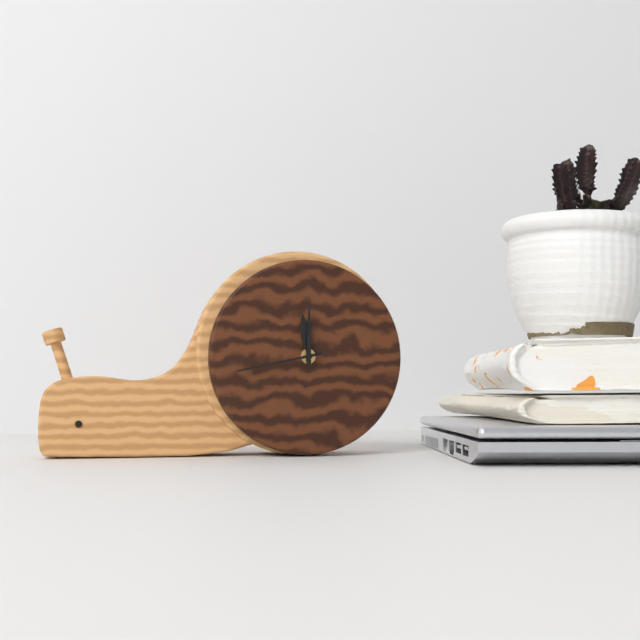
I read h=11 m=43 s=0
